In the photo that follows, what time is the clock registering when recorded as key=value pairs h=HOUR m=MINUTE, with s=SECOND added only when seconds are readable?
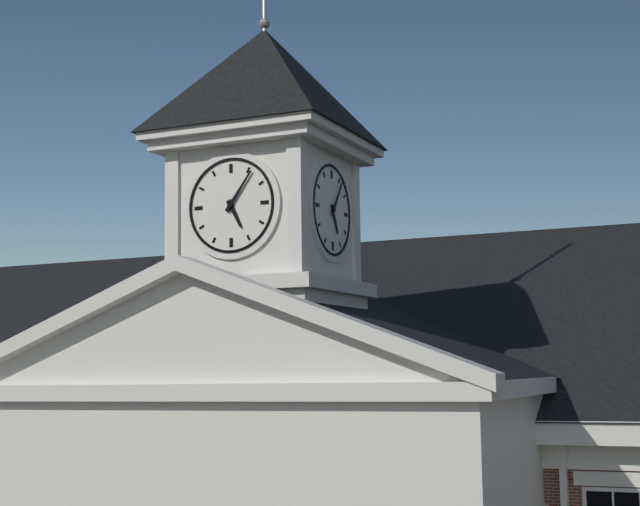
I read h=5 m=6
